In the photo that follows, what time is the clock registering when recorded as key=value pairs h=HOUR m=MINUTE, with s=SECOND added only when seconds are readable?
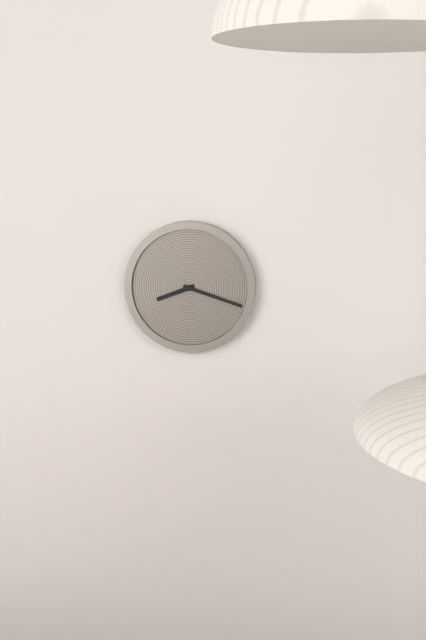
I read h=8 m=18
